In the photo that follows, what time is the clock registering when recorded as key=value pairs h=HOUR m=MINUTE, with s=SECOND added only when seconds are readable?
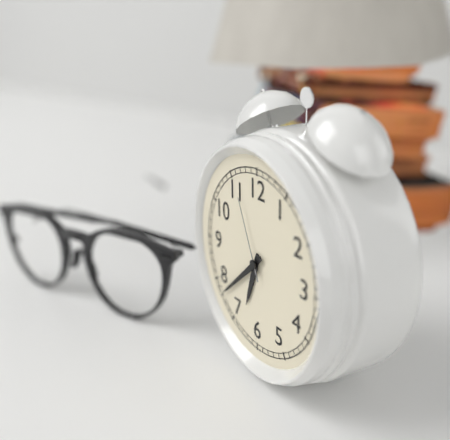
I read h=6 m=38 s=56
